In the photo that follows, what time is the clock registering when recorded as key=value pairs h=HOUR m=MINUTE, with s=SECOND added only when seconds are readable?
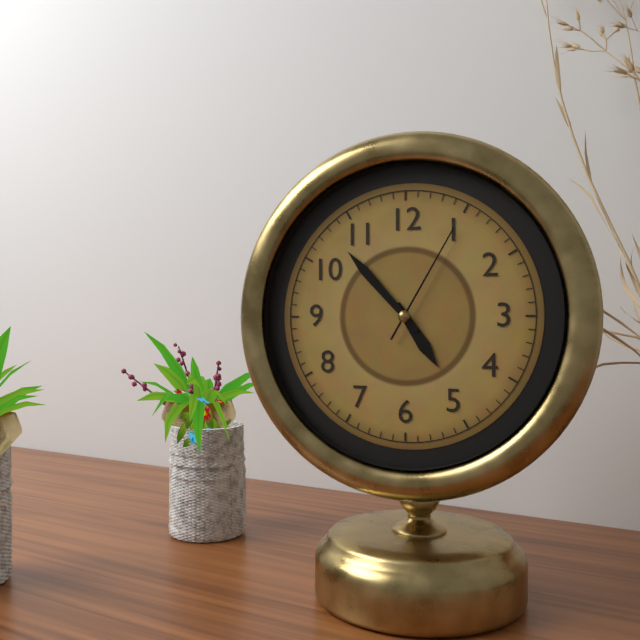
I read h=4 m=53 s=5
